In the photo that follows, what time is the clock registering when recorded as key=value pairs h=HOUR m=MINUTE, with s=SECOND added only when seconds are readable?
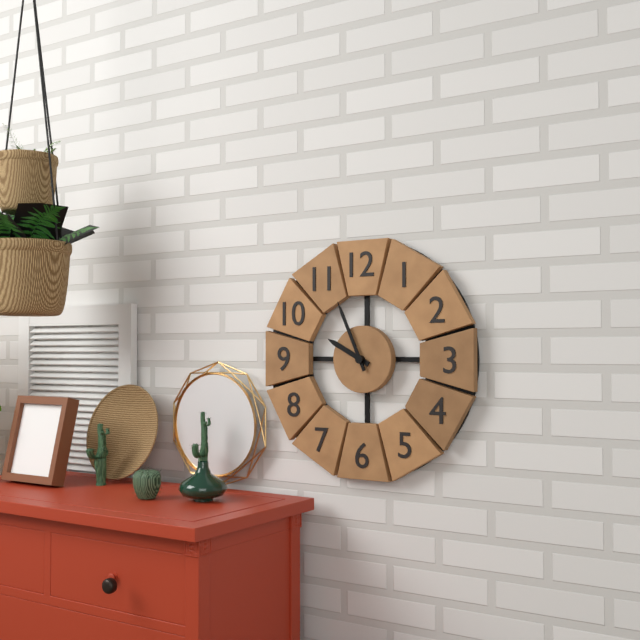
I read h=9 m=56
